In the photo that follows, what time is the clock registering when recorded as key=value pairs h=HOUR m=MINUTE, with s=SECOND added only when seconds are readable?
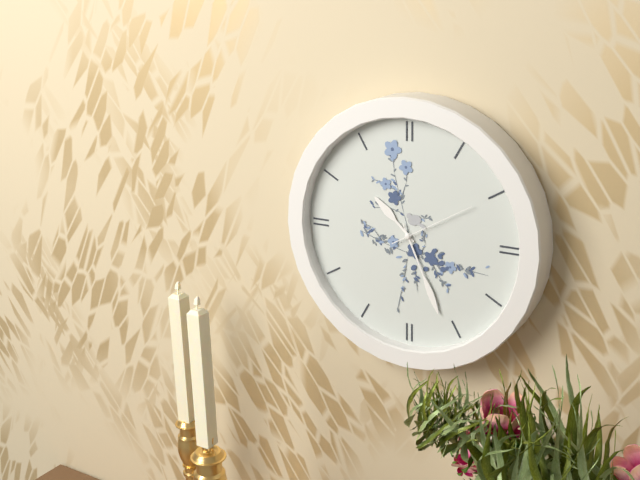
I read h=10 m=26 s=10
